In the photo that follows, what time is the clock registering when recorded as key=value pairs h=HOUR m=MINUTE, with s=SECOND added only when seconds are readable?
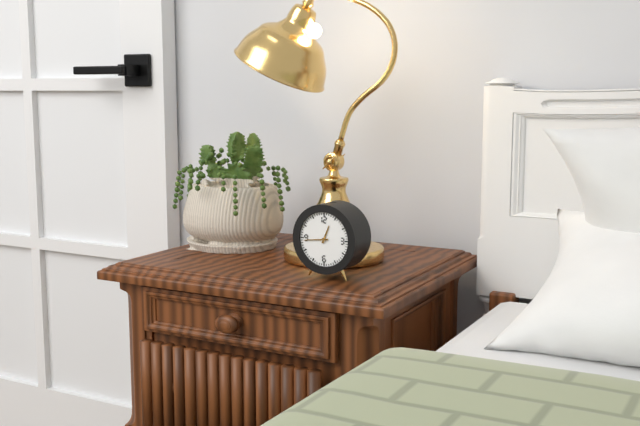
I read h=12 m=44
